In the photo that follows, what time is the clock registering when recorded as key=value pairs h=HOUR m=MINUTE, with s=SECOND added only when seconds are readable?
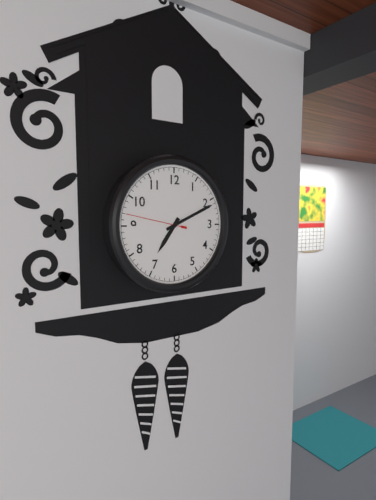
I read h=7 m=11 s=47
